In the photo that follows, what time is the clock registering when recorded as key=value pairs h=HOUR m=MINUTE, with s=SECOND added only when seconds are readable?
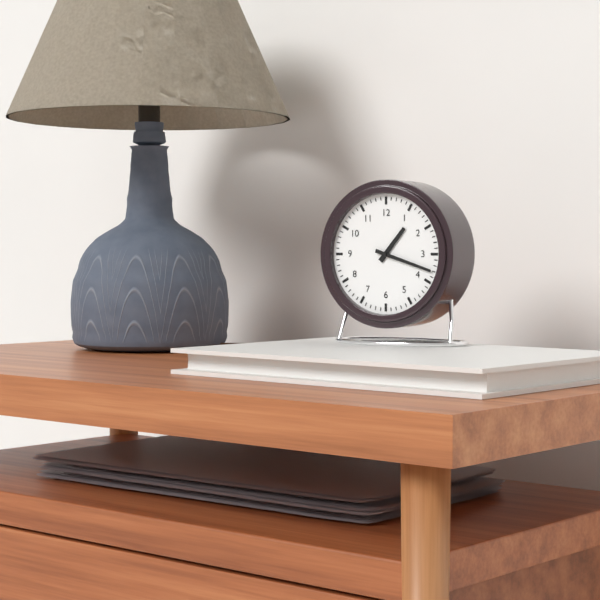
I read h=1 m=18
